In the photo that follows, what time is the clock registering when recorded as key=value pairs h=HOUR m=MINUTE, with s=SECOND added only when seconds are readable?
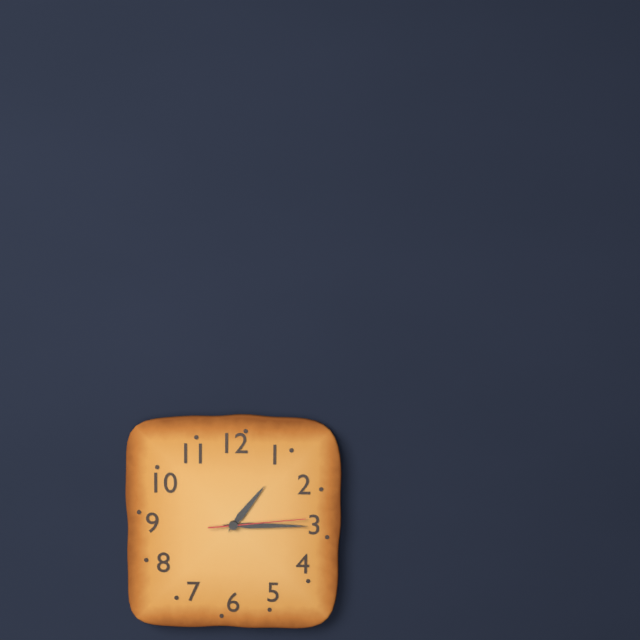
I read h=1 m=15 s=14
